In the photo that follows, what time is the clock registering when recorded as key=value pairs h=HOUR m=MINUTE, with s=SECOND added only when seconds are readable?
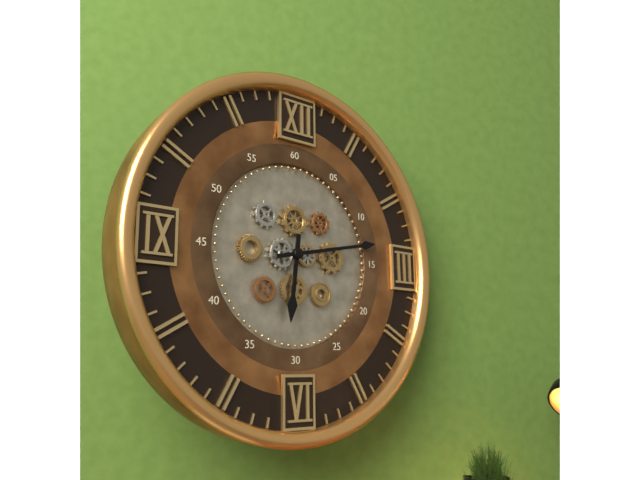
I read h=6 m=13
